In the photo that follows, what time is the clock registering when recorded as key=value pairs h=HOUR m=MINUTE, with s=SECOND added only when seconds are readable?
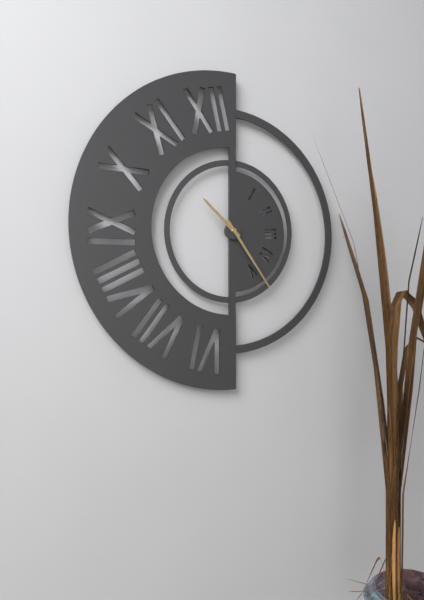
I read h=10 m=24
